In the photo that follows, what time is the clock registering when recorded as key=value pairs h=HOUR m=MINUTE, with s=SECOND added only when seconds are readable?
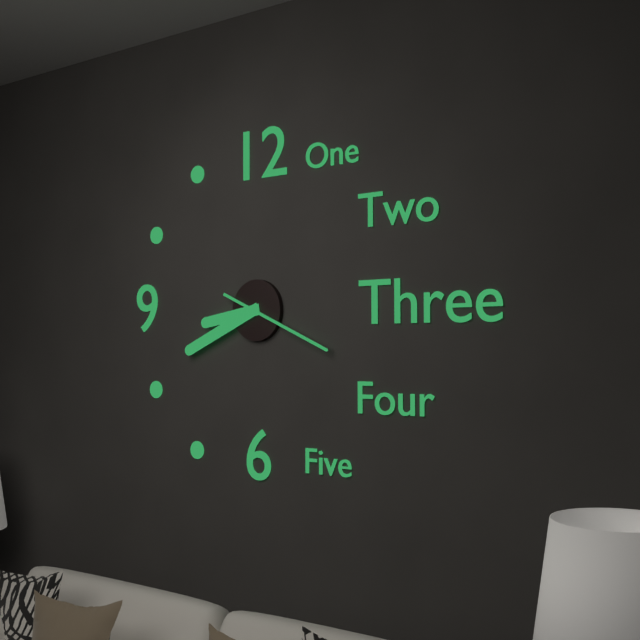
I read h=8 m=41 s=19
